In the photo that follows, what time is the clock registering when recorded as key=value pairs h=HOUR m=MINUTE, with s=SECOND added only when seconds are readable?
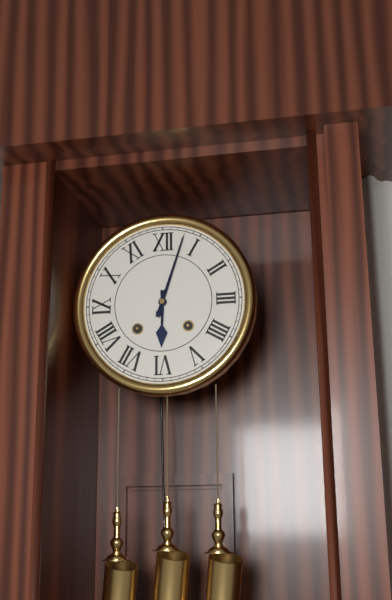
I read h=6 m=3
